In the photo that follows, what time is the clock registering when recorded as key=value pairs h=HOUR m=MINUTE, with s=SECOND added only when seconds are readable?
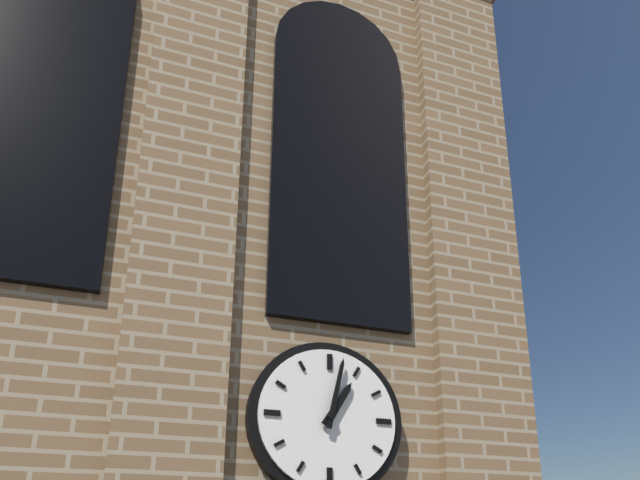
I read h=1 m=2
